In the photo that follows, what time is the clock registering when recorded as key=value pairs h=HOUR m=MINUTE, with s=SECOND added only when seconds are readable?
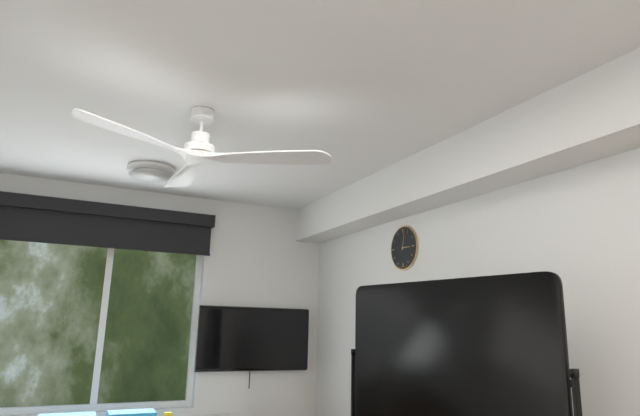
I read h=3 m=2
